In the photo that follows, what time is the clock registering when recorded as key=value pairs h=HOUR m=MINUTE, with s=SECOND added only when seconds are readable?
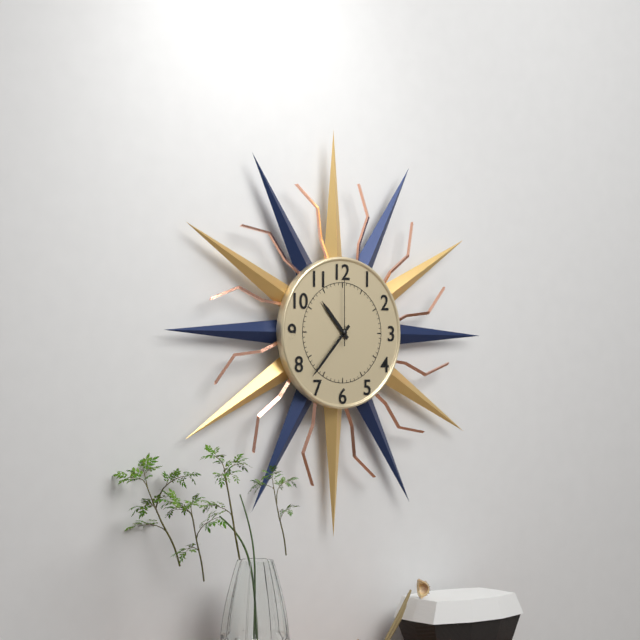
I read h=10 m=37 s=0
